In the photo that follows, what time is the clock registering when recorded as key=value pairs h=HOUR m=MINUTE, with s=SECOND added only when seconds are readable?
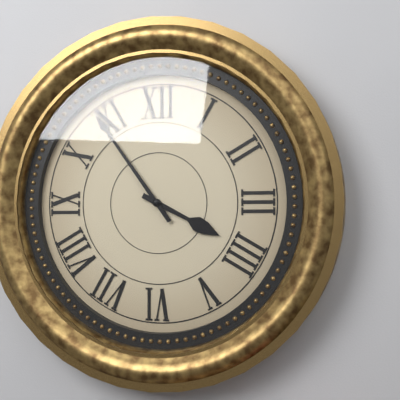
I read h=3 m=54
